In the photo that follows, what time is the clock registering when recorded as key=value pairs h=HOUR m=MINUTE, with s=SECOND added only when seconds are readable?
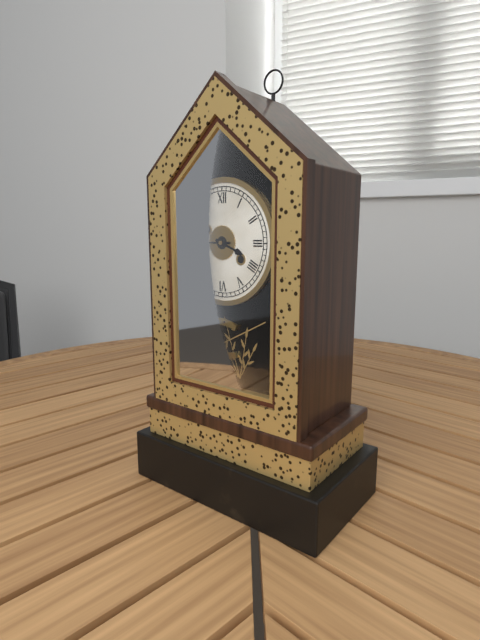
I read h=3 m=45
